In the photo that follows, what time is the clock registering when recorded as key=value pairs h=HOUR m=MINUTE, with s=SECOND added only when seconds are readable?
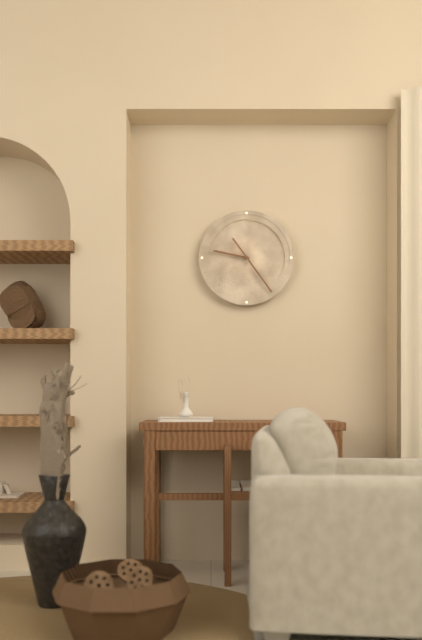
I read h=9 m=24
